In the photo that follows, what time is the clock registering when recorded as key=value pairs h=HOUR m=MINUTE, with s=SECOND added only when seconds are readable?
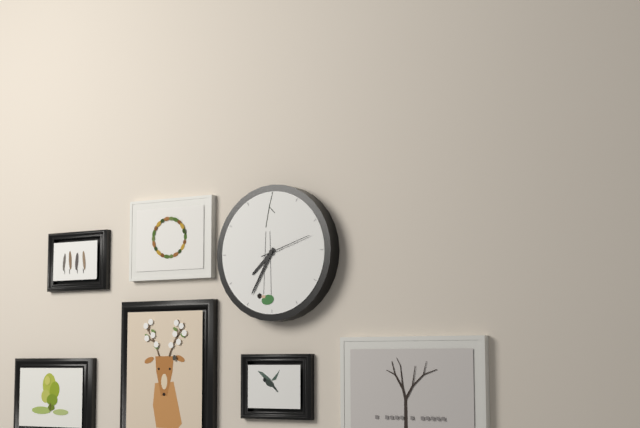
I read h=7 m=35 s=12
